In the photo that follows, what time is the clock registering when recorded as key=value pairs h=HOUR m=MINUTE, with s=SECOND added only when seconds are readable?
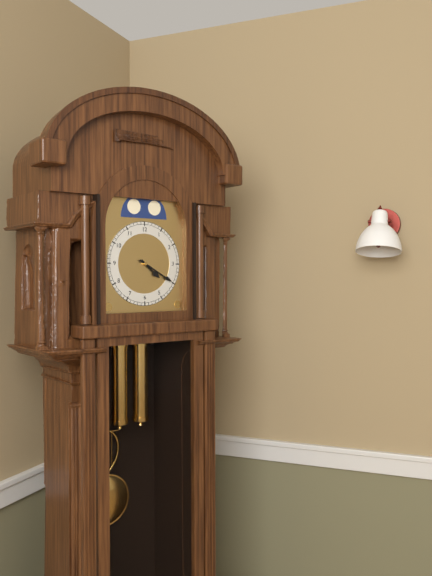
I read h=4 m=20
